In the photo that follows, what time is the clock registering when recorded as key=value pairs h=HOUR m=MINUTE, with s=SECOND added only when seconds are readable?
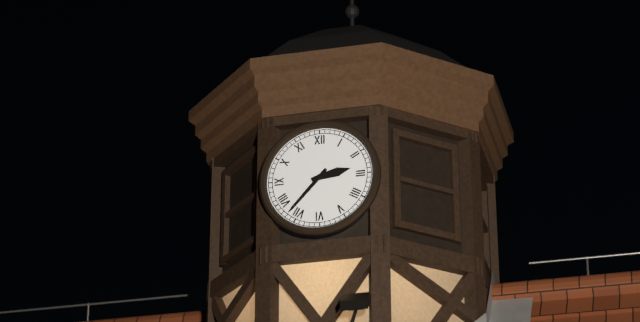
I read h=2 m=37
